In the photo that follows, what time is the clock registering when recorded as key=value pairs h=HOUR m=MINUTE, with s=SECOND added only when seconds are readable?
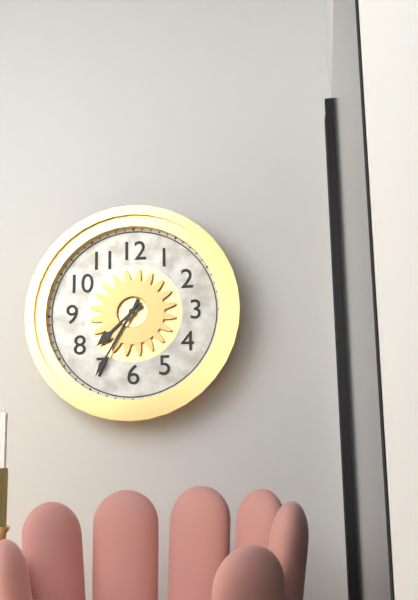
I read h=7 m=35
